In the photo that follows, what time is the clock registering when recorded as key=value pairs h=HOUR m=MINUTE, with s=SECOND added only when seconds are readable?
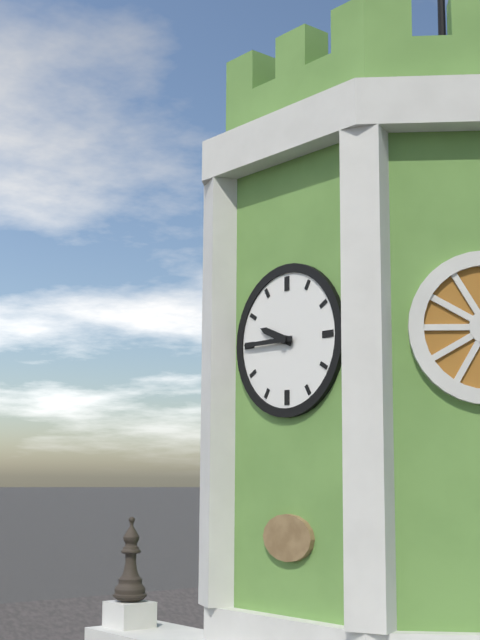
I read h=9 m=45
